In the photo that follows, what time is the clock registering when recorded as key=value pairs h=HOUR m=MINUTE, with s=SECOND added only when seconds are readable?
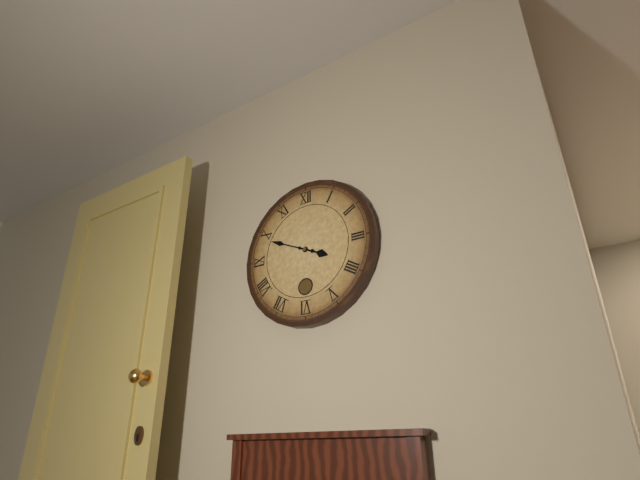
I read h=3 m=49
